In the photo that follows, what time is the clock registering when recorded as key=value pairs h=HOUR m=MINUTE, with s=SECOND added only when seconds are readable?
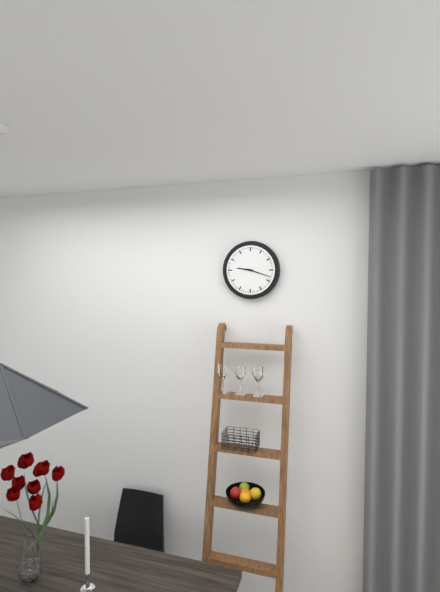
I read h=9 m=18
